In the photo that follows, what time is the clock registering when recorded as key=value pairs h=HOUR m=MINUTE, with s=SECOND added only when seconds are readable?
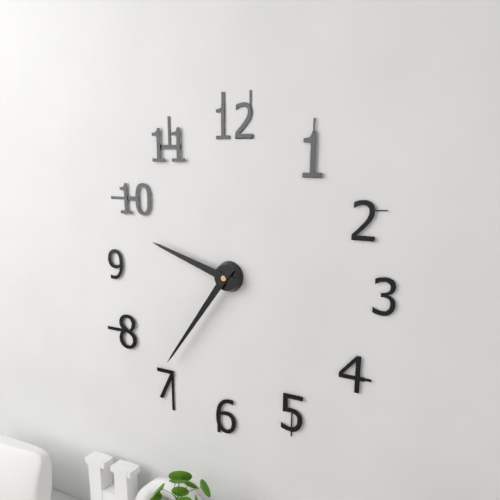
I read h=9 m=36
